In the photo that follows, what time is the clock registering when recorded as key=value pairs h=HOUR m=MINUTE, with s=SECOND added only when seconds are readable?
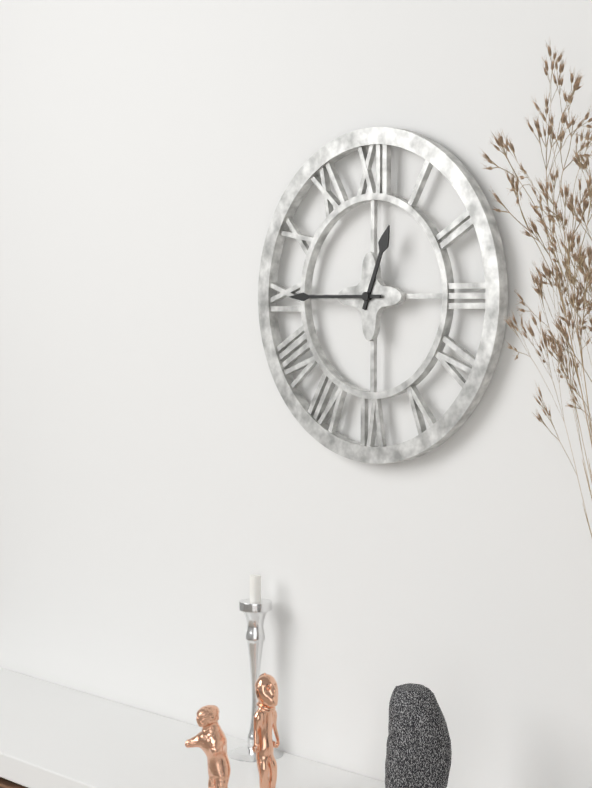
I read h=12 m=45
